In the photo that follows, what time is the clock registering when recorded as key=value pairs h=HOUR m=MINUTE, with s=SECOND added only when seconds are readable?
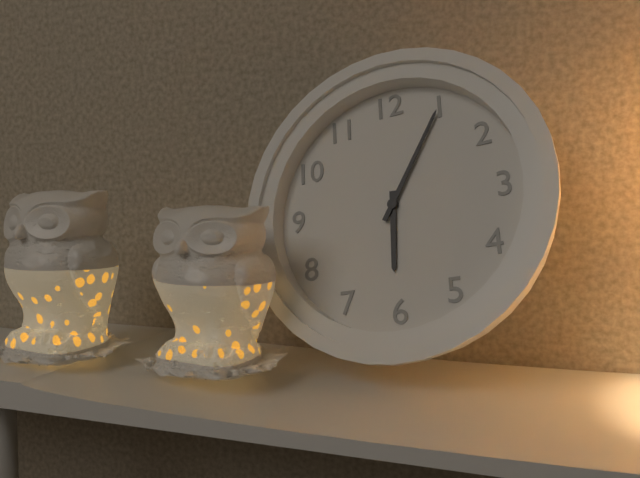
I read h=6 m=5
